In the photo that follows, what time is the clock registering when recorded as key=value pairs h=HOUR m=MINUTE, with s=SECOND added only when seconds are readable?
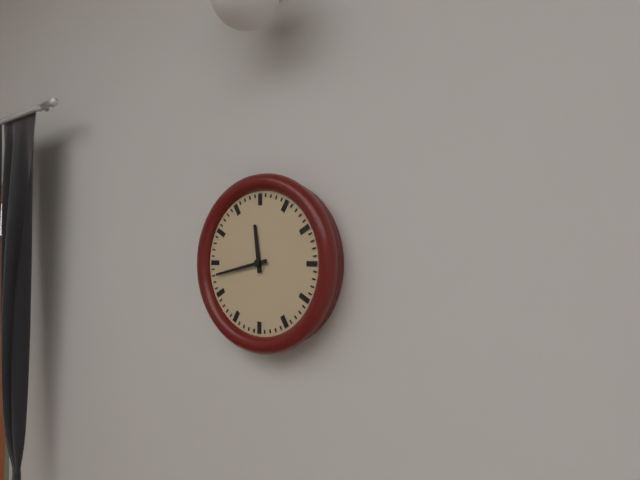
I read h=11 m=43
